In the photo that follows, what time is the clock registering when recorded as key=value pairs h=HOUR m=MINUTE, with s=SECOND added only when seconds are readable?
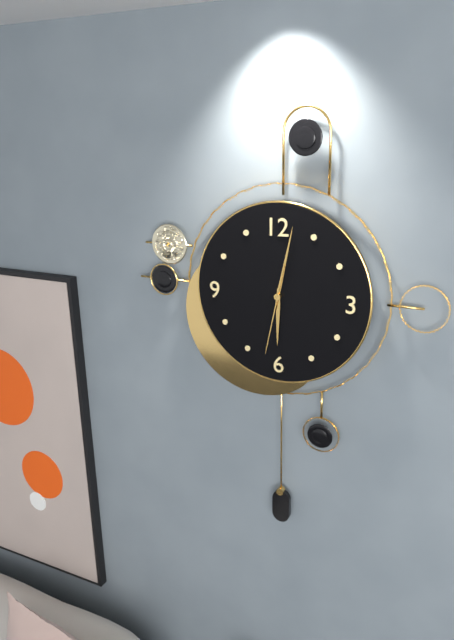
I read h=6 m=2 s=32
